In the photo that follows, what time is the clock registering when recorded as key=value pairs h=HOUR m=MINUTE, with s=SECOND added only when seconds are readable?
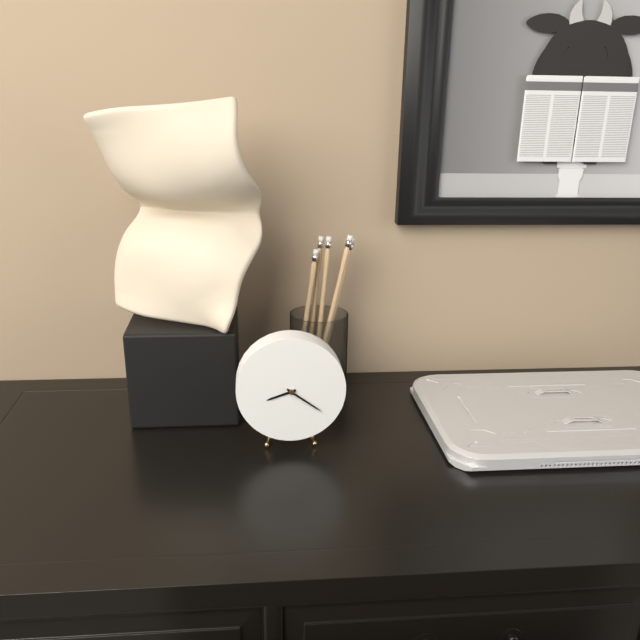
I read h=8 m=21
